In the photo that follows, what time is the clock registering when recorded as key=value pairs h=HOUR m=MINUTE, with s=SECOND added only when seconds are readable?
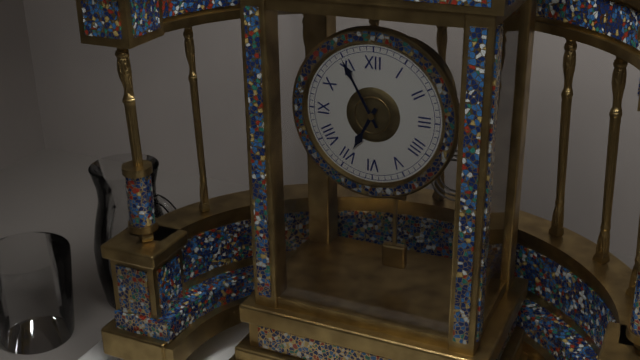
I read h=6 m=55
